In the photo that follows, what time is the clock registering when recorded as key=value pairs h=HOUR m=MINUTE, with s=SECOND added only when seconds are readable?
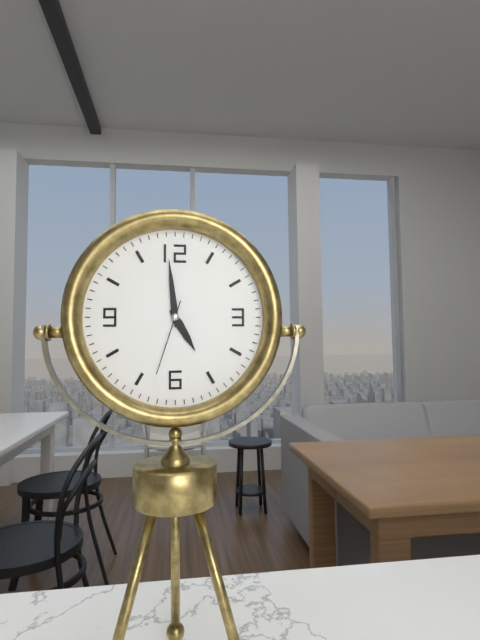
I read h=4 m=59 s=33
